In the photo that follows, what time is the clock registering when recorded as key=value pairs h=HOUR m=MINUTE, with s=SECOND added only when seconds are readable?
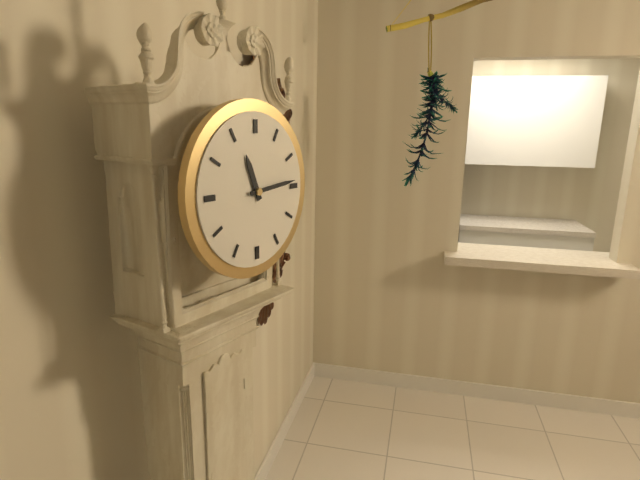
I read h=11 m=14
